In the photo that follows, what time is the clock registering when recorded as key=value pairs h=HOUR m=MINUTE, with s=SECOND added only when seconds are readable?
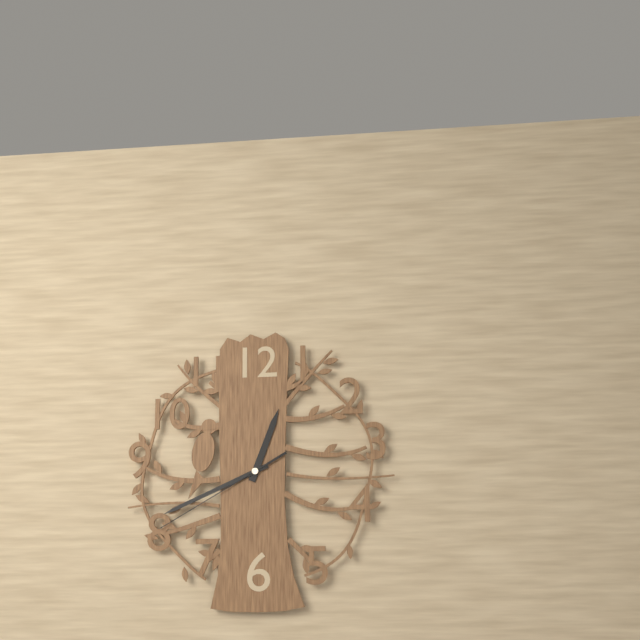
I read h=12 m=41 s=40
